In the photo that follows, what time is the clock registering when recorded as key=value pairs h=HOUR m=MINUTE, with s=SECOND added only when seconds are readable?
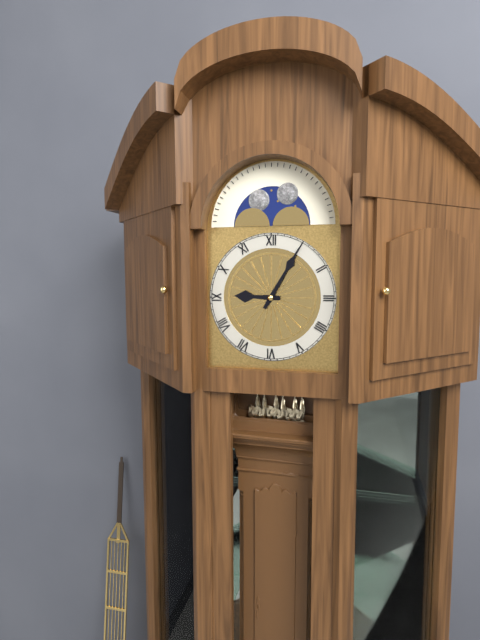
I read h=9 m=5
